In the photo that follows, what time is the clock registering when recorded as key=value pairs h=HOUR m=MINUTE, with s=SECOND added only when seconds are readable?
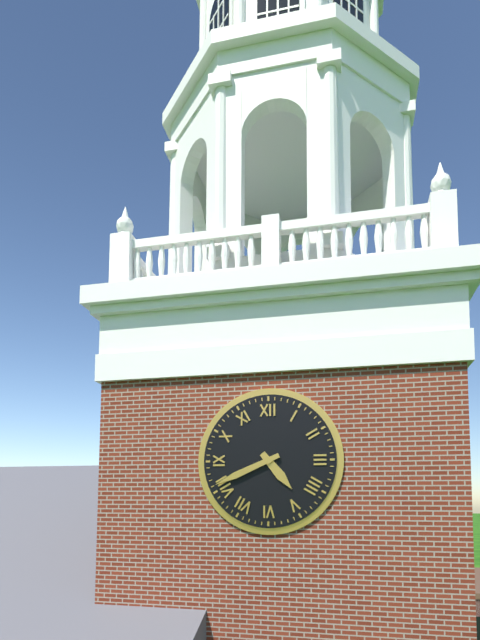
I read h=4 m=41
